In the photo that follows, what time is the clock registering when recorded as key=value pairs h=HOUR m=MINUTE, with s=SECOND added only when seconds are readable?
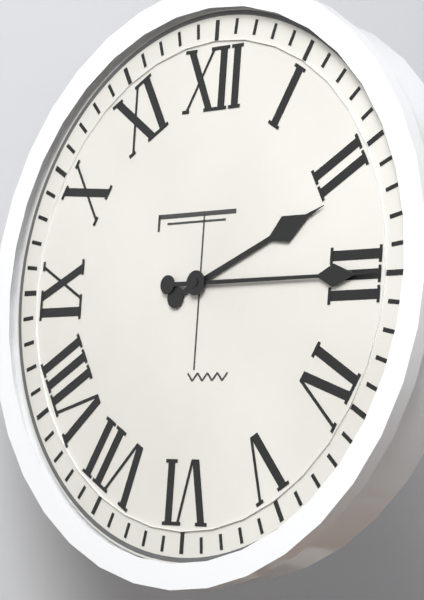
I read h=2 m=15
